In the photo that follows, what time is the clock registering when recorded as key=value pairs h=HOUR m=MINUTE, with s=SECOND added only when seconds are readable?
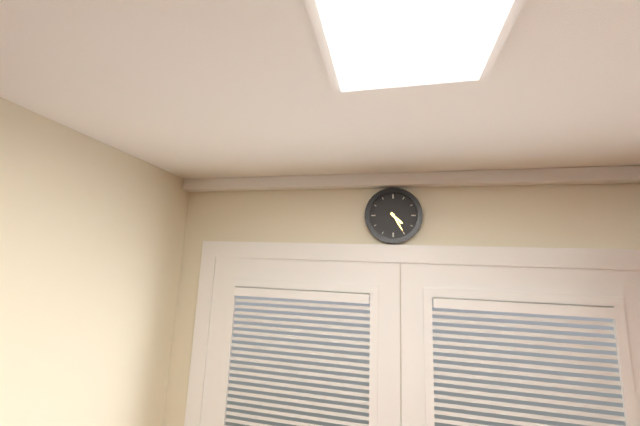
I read h=4 m=25
